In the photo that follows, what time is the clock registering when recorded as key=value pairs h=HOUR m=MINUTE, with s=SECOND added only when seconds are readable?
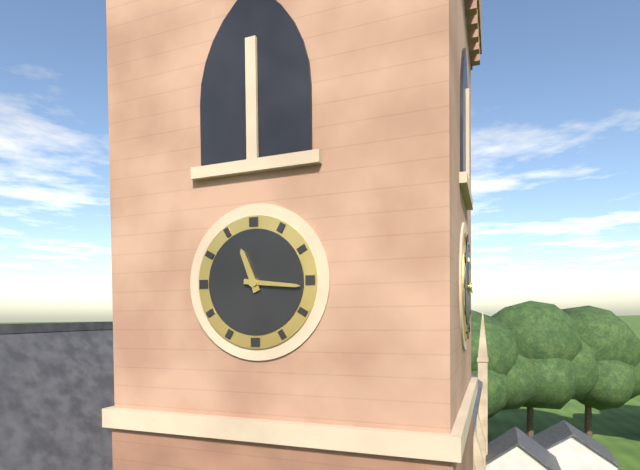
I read h=11 m=16
